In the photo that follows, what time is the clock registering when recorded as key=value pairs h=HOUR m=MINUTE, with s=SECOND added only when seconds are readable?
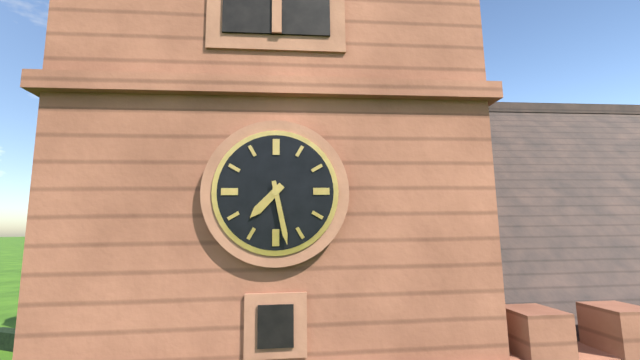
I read h=7 m=28
